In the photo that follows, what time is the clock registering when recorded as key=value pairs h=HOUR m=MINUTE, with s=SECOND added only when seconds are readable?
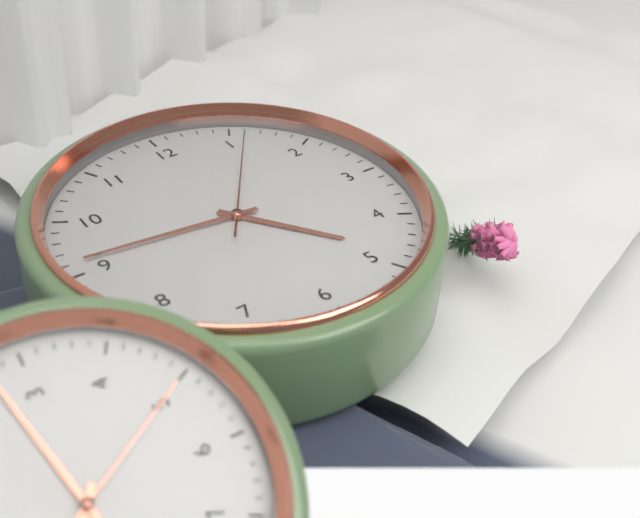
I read h=4 m=46 s=6
